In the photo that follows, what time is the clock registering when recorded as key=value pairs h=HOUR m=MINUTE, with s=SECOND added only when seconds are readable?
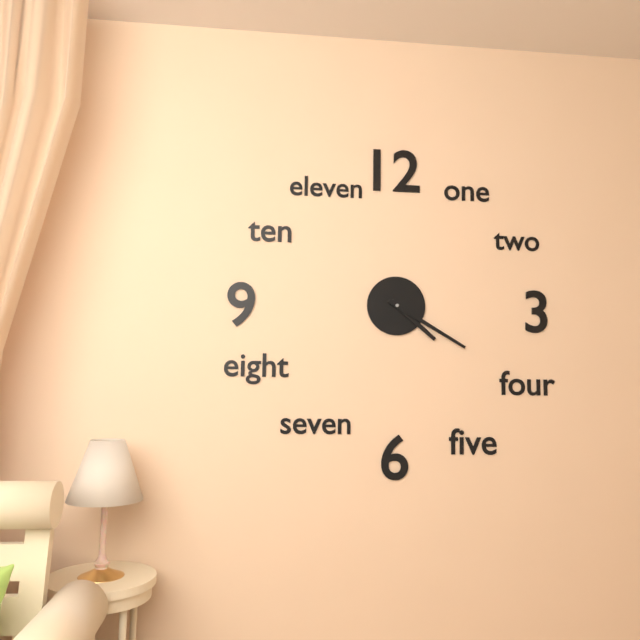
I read h=4 m=20
